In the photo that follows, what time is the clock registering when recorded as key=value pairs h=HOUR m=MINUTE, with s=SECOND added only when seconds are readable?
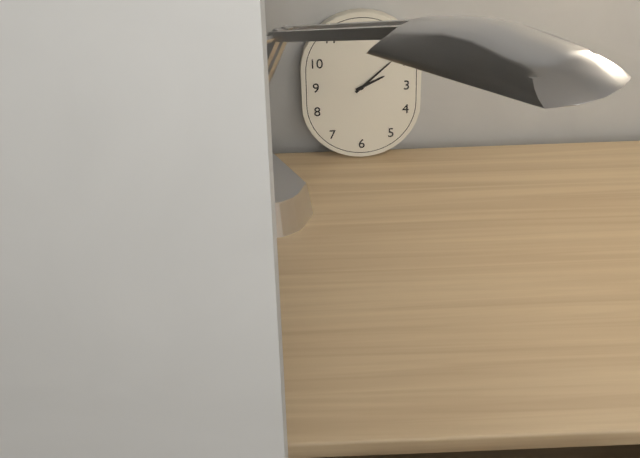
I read h=2 m=8
